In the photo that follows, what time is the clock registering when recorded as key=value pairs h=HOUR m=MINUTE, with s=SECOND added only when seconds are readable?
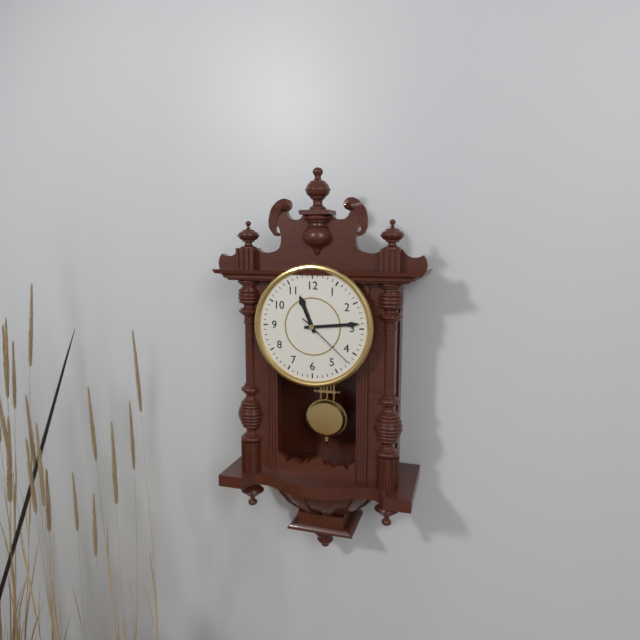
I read h=11 m=14 s=22
